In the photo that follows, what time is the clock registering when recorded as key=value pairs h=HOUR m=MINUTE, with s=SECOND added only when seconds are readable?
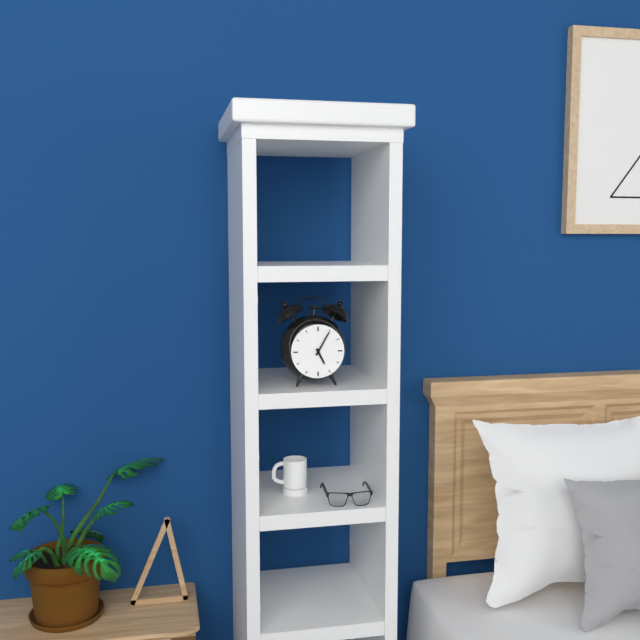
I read h=5 m=5
